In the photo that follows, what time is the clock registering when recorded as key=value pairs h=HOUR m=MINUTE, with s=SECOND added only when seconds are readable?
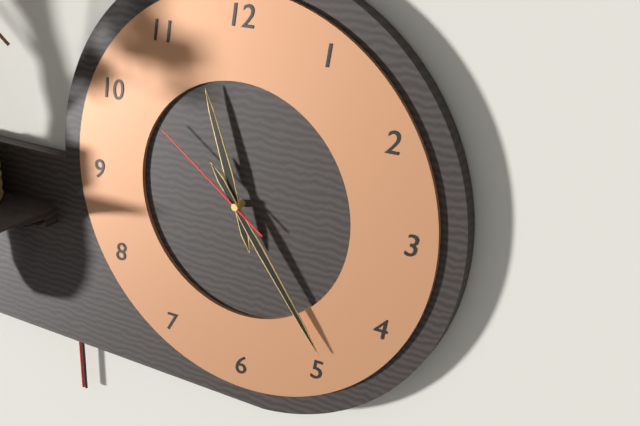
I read h=11 m=24 s=51
